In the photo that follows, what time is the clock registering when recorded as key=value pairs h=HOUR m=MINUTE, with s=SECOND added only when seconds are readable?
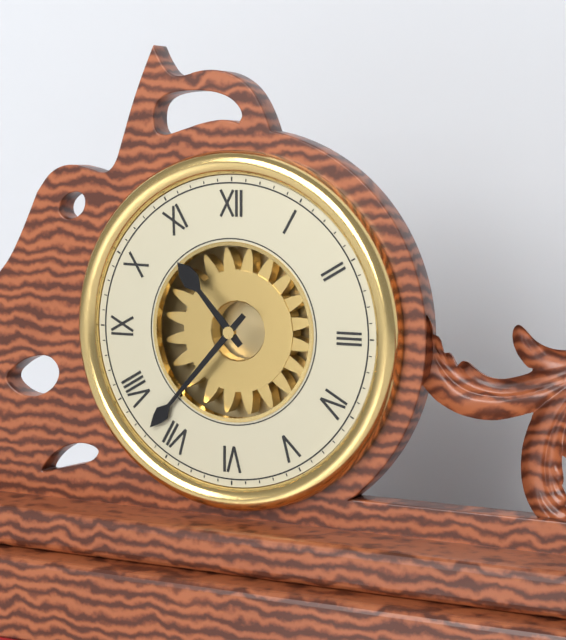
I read h=10 m=37
